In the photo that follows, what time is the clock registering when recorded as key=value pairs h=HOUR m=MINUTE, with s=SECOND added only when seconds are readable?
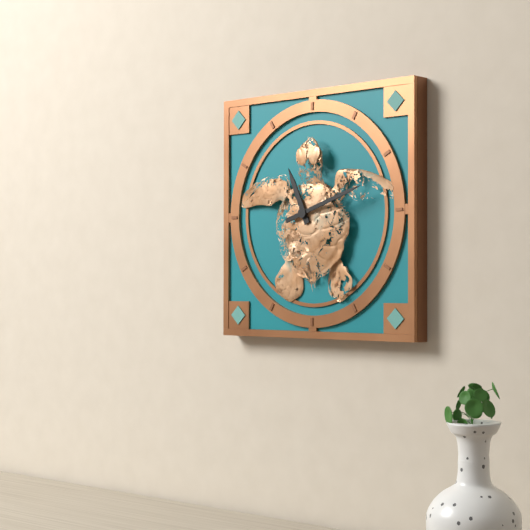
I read h=11 m=12
